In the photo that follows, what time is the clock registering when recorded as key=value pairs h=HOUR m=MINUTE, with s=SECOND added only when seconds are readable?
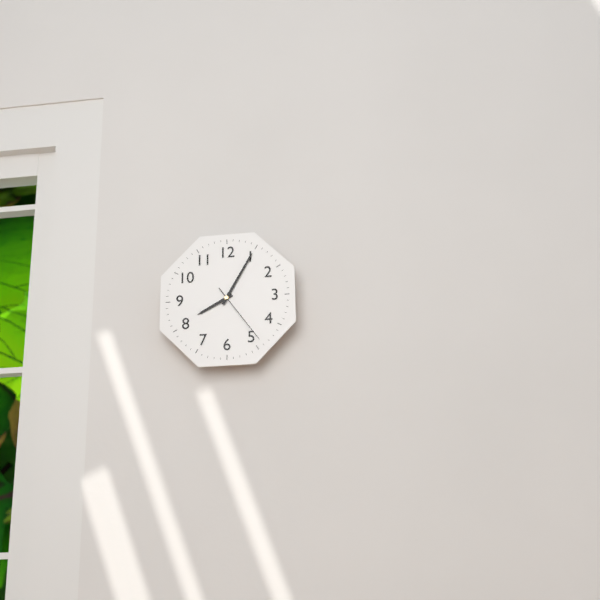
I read h=8 m=5 s=24
